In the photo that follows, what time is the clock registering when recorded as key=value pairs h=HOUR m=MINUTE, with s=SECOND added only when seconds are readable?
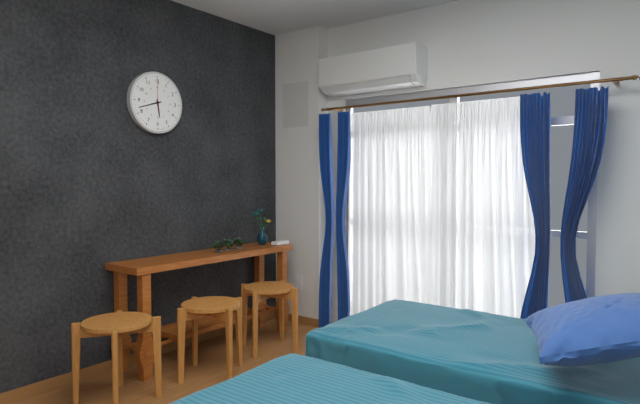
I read h=5 m=42
